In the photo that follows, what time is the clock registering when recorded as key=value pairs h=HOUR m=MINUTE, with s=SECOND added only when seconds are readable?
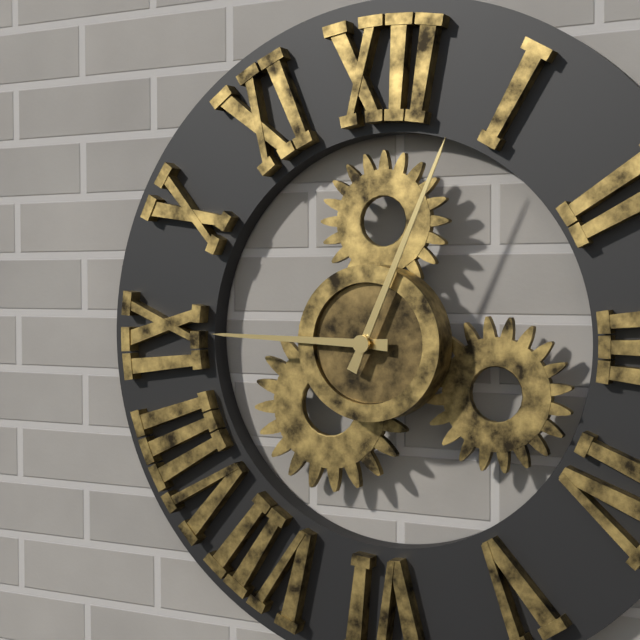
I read h=9 m=4
